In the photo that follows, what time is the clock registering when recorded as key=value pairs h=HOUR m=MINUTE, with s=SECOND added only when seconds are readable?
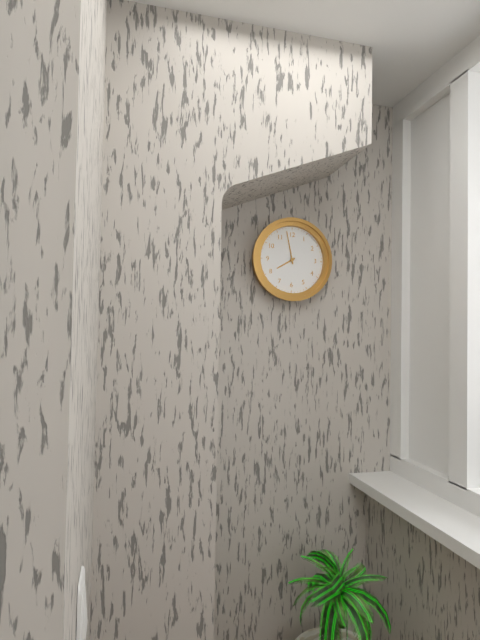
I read h=7 m=58
